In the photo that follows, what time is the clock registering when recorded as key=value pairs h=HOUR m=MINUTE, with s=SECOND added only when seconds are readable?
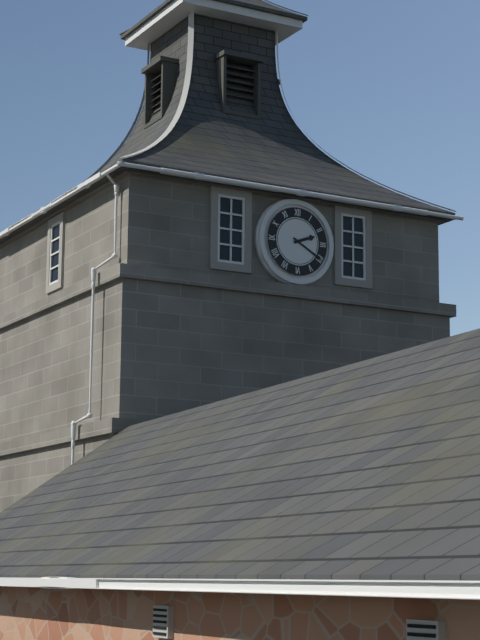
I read h=2 m=20
